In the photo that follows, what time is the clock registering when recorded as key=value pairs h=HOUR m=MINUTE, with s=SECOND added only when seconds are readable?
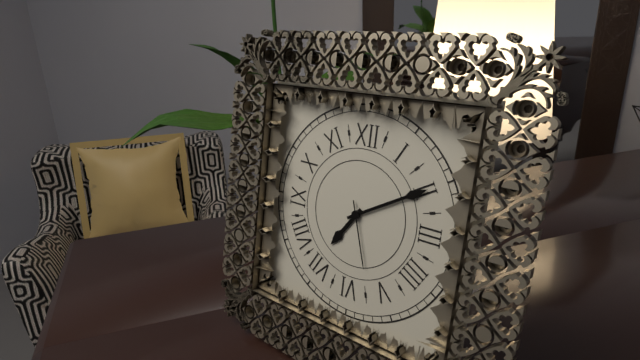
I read h=7 m=10 s=27
